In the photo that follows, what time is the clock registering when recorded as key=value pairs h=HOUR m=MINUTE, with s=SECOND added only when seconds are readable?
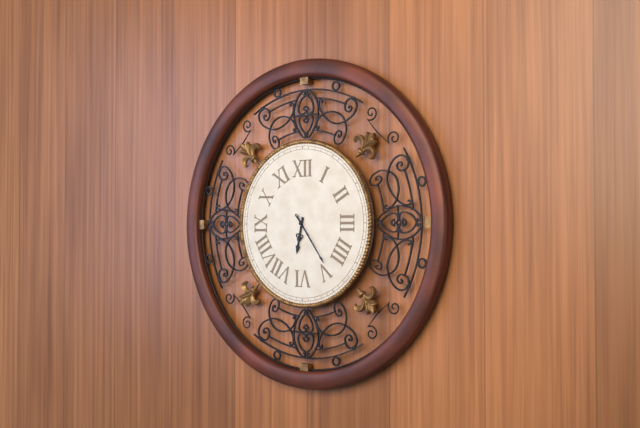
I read h=6 m=24
